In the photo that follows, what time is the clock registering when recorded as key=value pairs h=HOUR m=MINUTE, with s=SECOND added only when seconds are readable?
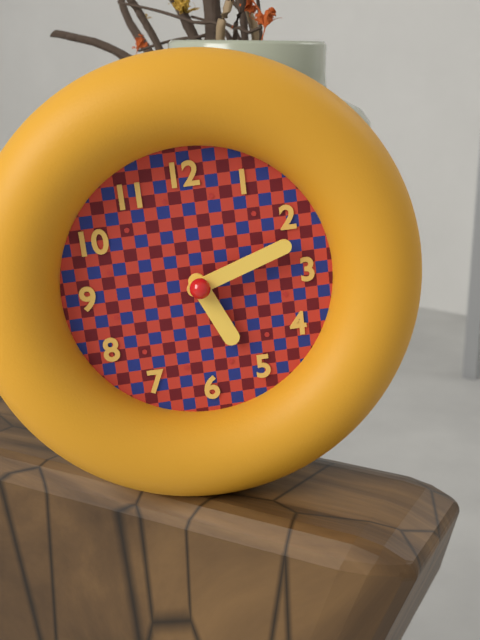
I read h=5 m=12
